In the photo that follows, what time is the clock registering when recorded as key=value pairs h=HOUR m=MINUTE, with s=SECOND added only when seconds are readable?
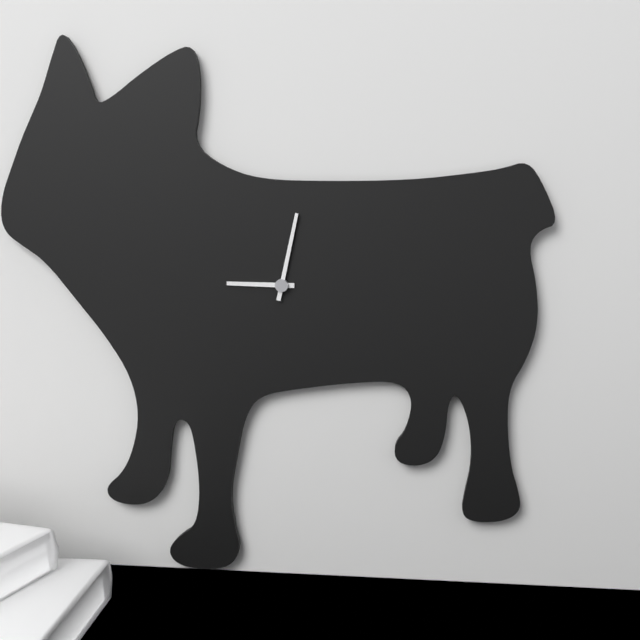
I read h=9 m=2
